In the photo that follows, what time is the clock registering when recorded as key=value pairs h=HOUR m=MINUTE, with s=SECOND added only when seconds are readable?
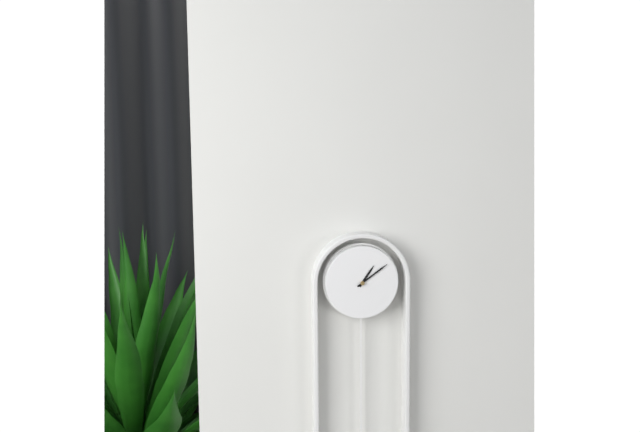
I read h=1 m=9
